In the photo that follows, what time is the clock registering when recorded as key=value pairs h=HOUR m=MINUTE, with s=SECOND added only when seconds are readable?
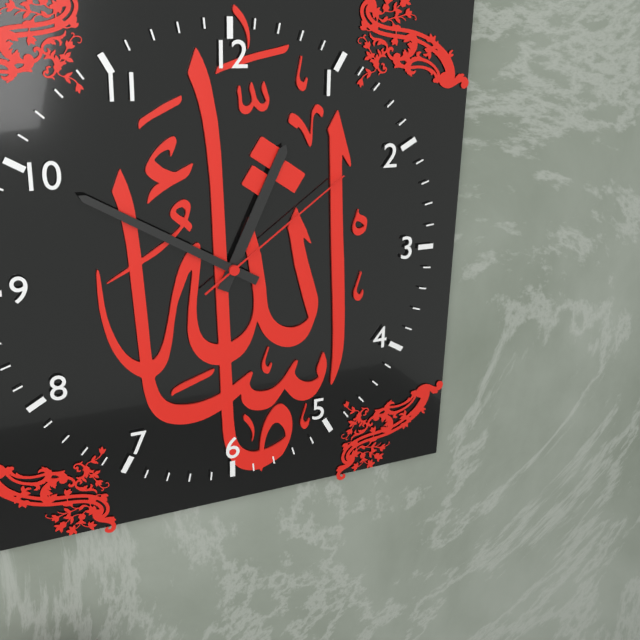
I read h=12 m=50 s=9
